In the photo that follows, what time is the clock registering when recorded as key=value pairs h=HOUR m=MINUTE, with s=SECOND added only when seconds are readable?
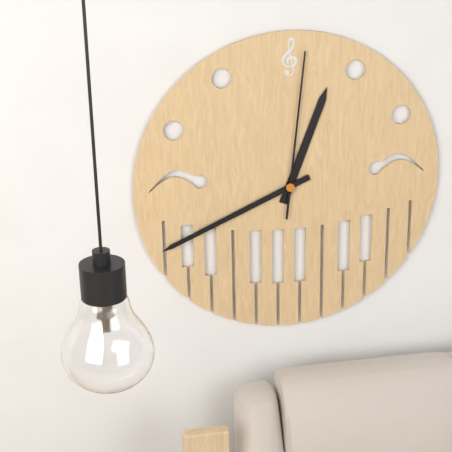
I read h=12 m=41 s=1
